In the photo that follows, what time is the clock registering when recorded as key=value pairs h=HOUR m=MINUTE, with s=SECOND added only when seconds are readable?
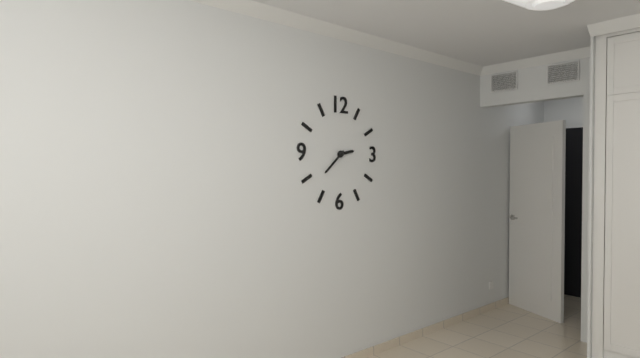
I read h=2 m=38
